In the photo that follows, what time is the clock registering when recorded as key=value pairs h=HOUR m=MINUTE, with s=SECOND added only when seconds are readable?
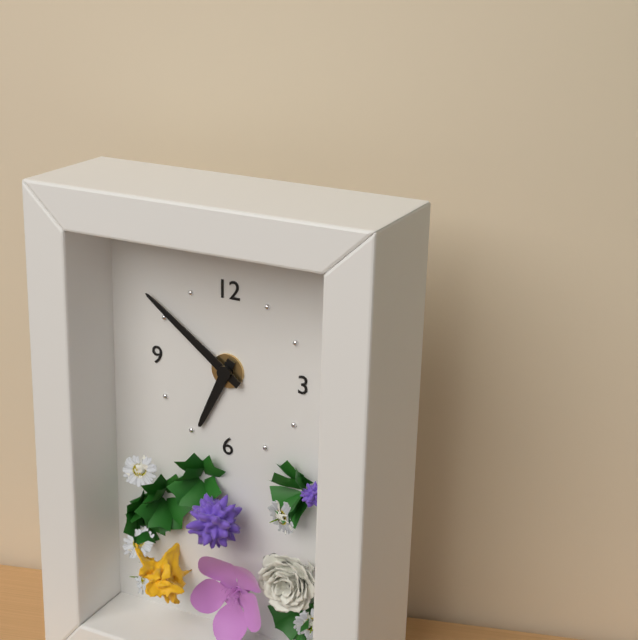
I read h=6 m=51
